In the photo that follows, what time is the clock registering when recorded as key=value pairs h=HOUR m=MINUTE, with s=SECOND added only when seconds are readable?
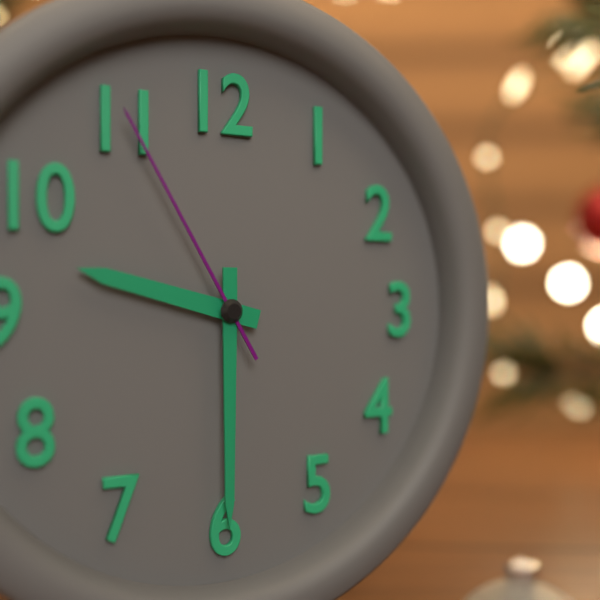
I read h=9 m=30 s=55
